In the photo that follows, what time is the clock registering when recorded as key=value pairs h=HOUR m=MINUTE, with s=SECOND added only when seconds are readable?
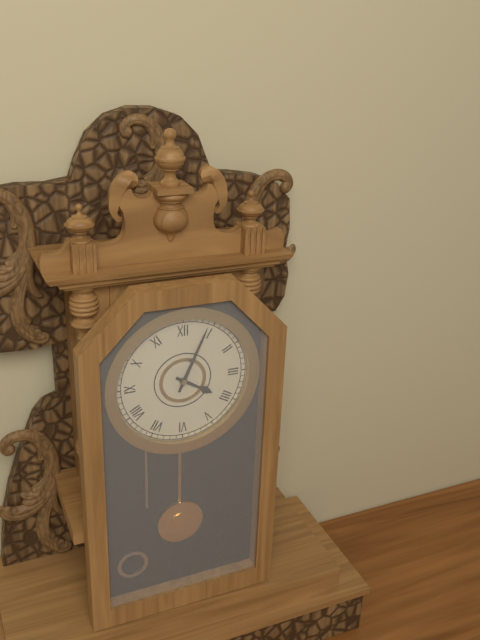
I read h=4 m=4
